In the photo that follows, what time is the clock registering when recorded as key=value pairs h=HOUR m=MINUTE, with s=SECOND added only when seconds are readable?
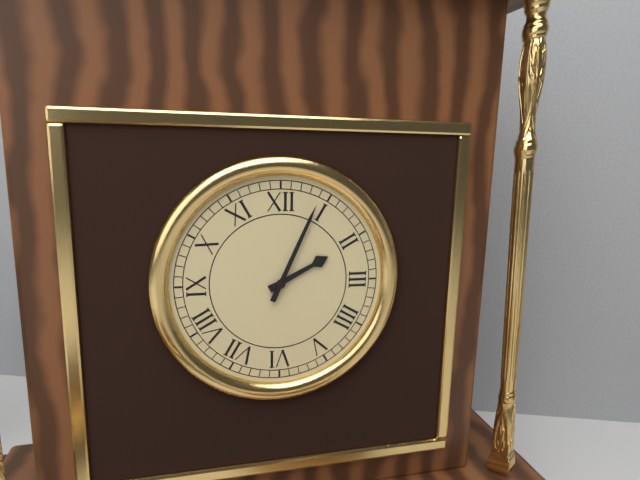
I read h=2 m=4
